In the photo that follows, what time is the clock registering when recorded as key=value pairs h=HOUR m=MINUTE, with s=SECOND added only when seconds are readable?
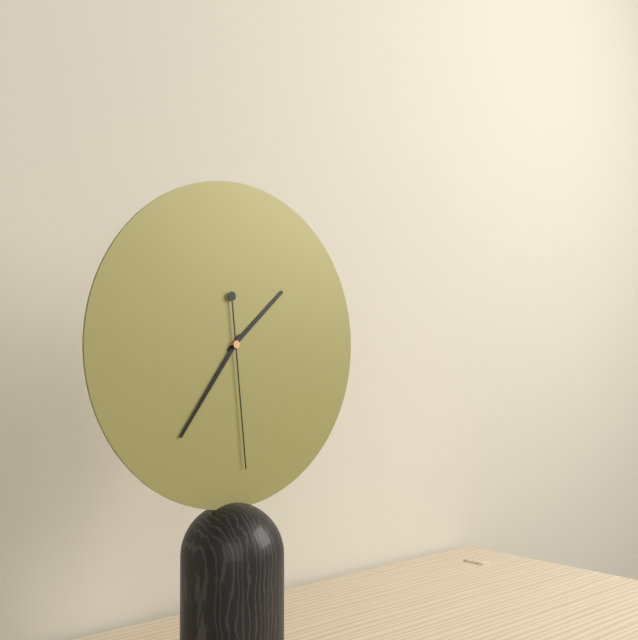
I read h=1 m=36 s=29
